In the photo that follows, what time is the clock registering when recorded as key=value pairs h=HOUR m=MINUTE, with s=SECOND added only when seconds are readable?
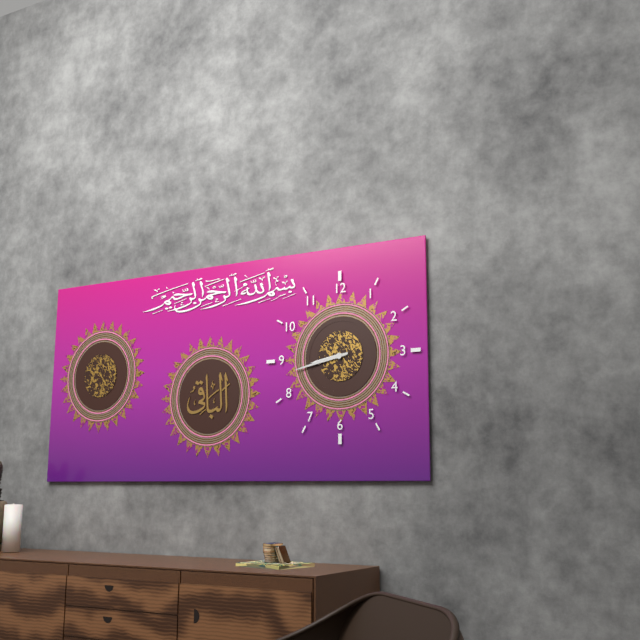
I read h=8 m=43
